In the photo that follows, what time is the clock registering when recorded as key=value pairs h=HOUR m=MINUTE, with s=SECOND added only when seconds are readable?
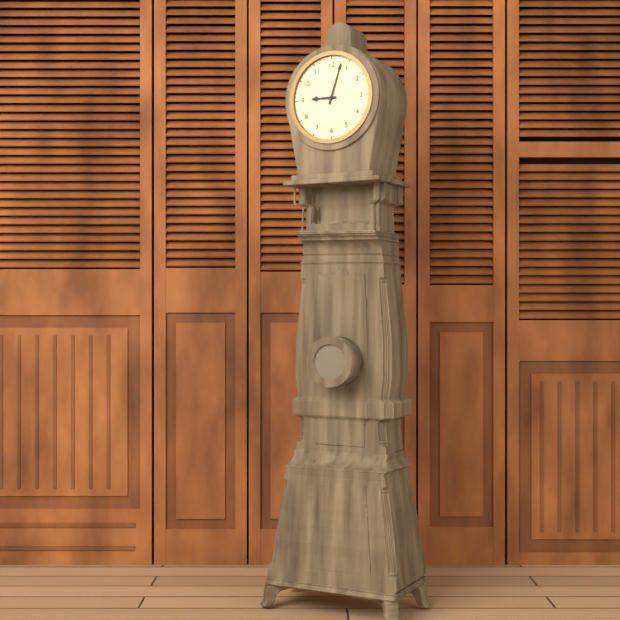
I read h=9 m=3
